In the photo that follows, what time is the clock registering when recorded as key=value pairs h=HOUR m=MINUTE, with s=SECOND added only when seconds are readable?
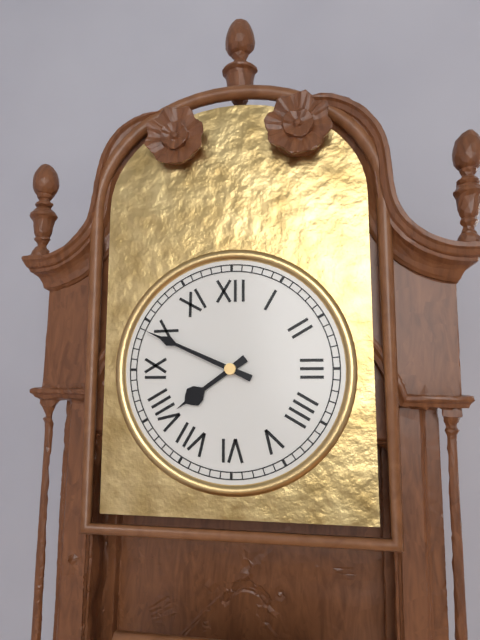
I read h=7 m=49
